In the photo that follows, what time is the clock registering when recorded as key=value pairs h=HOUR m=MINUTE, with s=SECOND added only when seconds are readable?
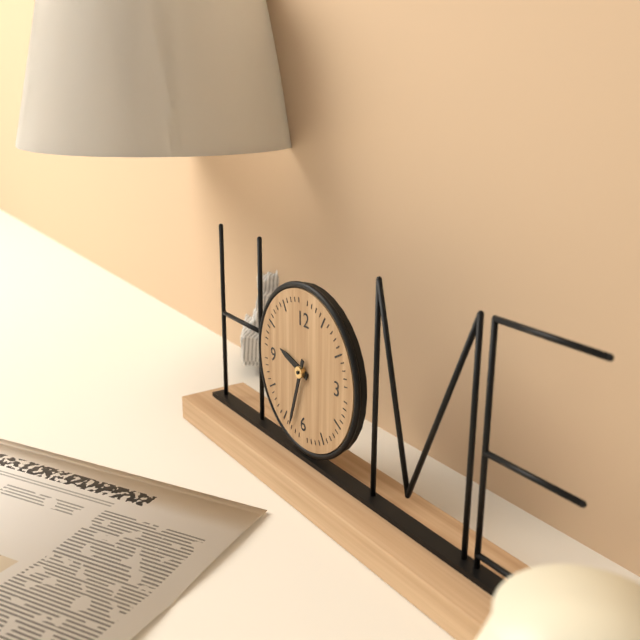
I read h=9 m=33
